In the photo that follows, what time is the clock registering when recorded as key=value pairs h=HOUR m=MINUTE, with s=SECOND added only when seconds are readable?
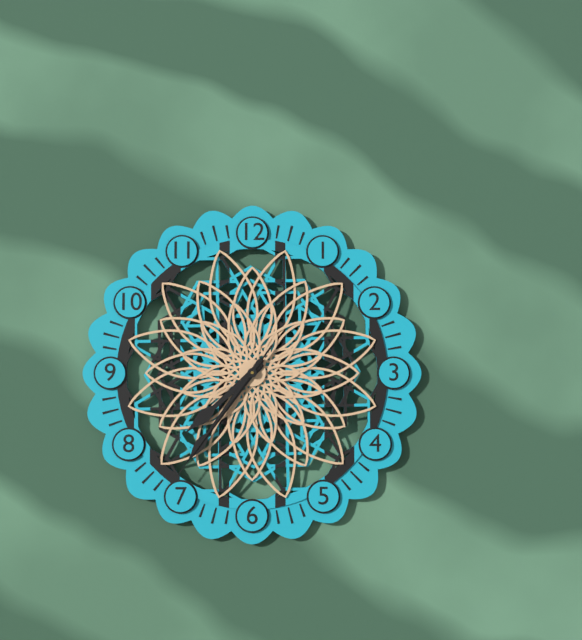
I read h=7 m=36 s=36
